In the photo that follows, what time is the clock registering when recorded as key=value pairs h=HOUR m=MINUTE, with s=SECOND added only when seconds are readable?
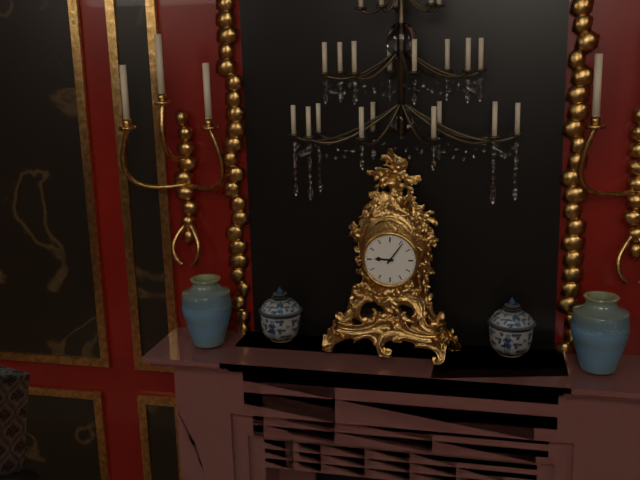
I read h=9 m=6
